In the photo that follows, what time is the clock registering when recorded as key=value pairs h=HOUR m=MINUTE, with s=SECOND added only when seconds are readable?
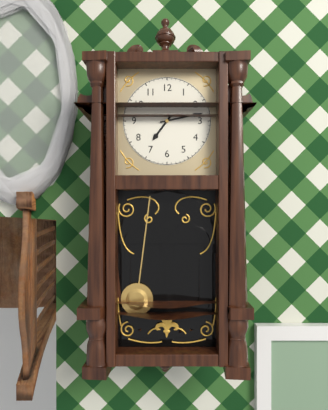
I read h=7 m=13
